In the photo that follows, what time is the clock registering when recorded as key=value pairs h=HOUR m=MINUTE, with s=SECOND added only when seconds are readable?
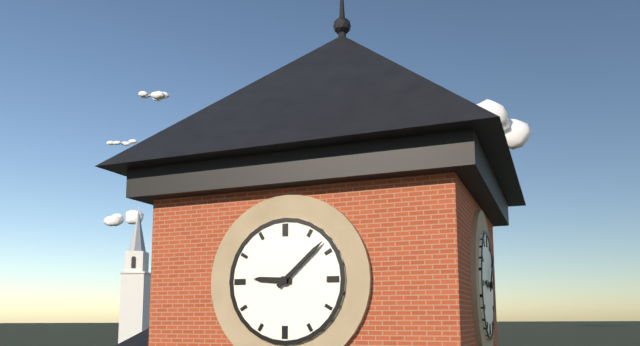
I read h=9 m=8
